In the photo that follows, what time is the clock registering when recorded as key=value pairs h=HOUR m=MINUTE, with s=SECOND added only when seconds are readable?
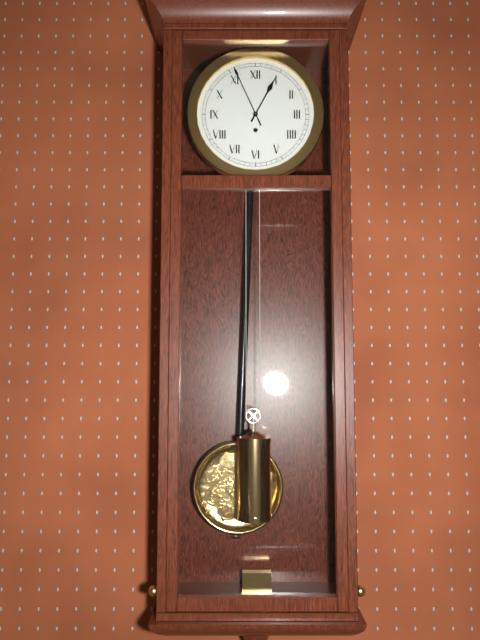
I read h=12 m=56
